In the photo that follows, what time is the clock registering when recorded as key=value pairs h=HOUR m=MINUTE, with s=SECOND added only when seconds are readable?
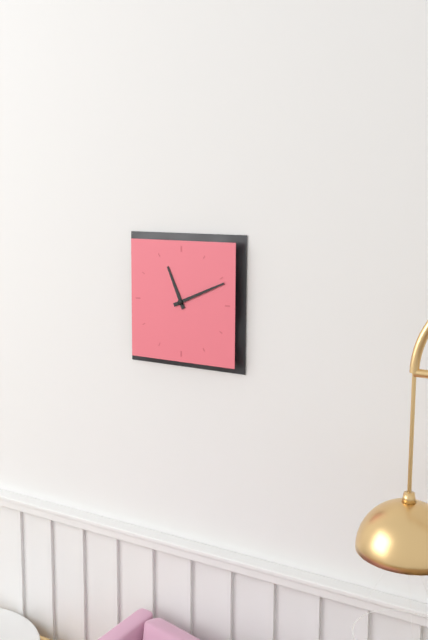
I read h=11 m=11
